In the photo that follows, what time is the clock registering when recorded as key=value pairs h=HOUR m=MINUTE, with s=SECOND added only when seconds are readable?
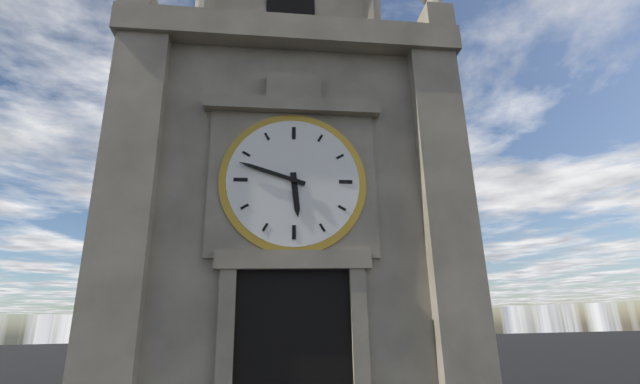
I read h=5 m=48
